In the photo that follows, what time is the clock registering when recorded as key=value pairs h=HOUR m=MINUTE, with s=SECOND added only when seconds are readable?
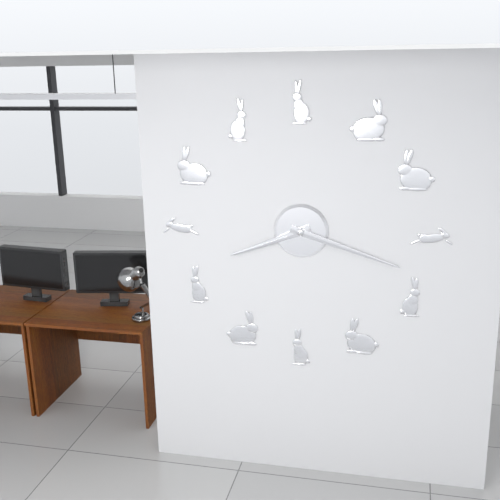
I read h=8 m=18
